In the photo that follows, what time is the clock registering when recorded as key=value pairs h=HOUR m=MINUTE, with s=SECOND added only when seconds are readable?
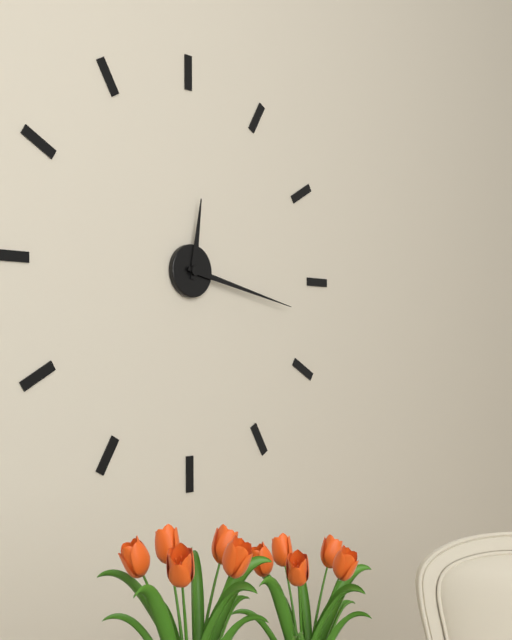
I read h=12 m=17
